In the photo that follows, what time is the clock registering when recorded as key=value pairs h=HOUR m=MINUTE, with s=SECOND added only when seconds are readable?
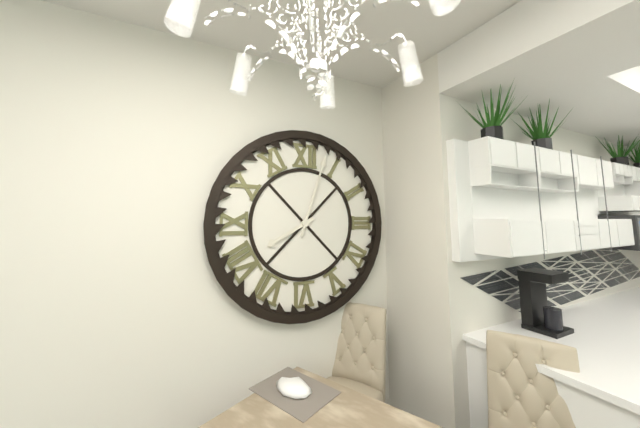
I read h=8 m=3
